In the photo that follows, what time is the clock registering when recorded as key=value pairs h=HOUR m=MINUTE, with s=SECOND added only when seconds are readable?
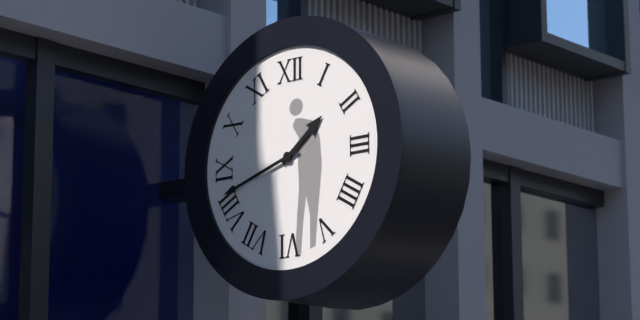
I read h=1 m=42
